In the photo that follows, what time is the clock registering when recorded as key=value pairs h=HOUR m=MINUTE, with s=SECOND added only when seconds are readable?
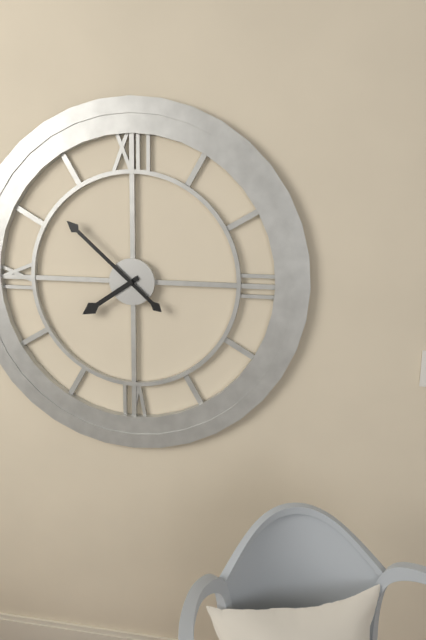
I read h=7 m=52
